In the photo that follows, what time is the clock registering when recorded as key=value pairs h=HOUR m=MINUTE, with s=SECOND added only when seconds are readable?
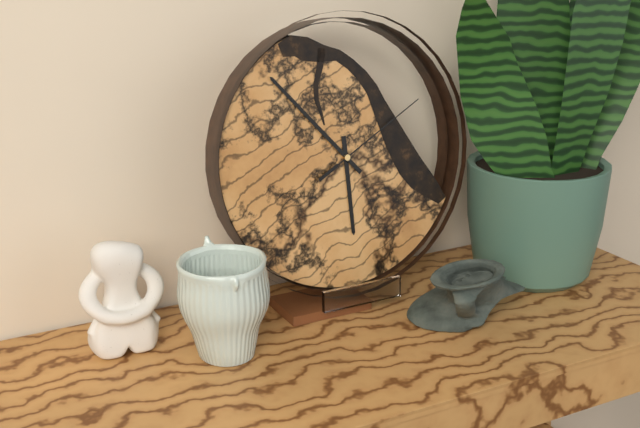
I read h=5 m=53 s=10
